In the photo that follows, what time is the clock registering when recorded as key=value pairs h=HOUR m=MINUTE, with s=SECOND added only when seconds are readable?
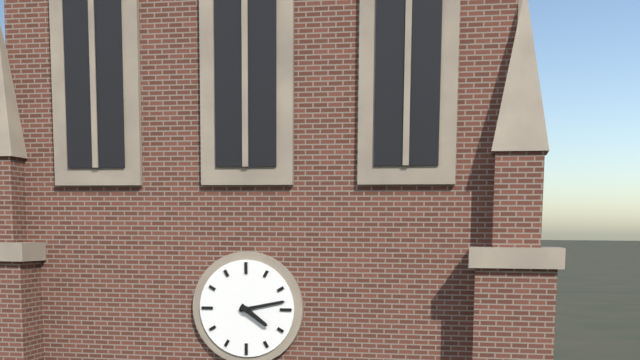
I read h=4 m=13
